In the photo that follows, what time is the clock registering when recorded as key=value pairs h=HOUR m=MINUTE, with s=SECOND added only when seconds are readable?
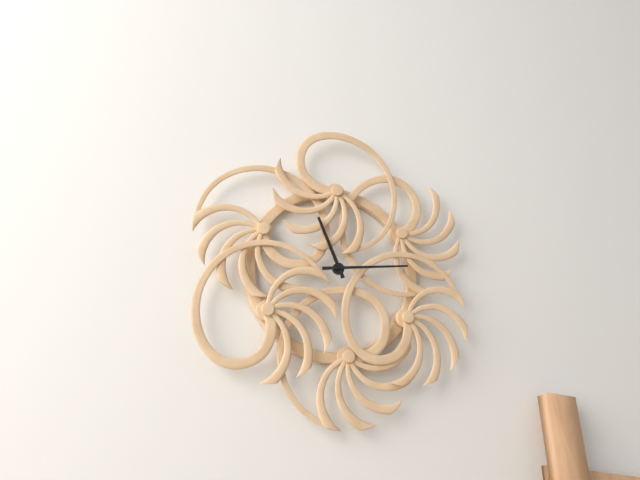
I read h=11 m=14
